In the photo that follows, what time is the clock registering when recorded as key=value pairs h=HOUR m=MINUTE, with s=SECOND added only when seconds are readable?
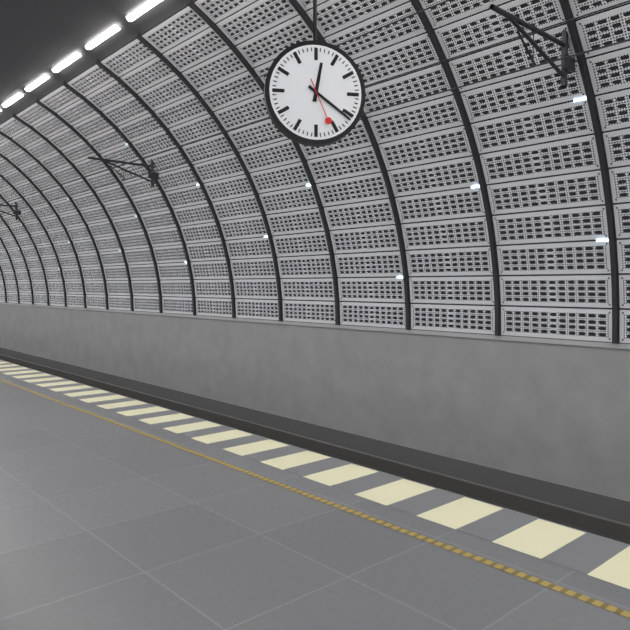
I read h=12 m=21
